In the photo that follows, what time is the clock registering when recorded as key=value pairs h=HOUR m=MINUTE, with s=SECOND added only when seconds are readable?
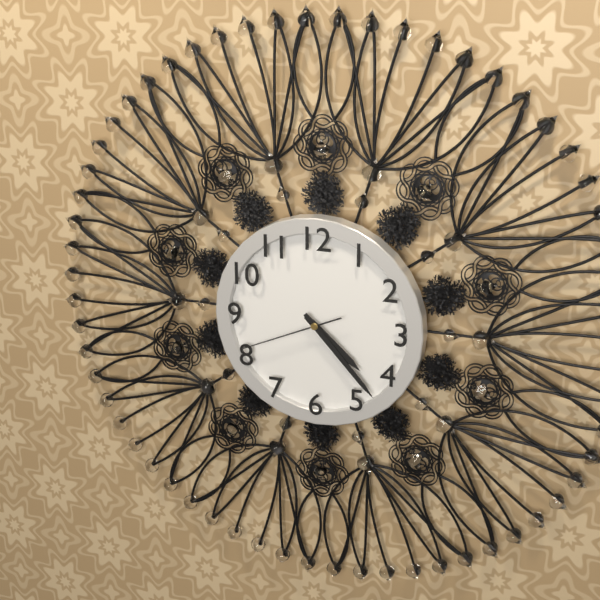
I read h=4 m=23 s=41
